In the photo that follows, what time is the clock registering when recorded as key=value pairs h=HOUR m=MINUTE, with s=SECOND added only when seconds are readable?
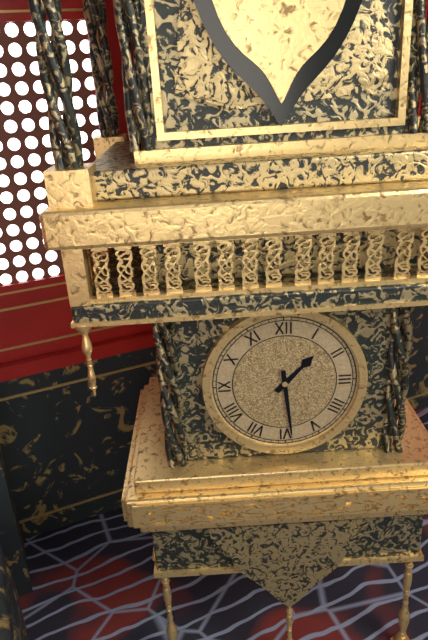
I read h=1 m=29
